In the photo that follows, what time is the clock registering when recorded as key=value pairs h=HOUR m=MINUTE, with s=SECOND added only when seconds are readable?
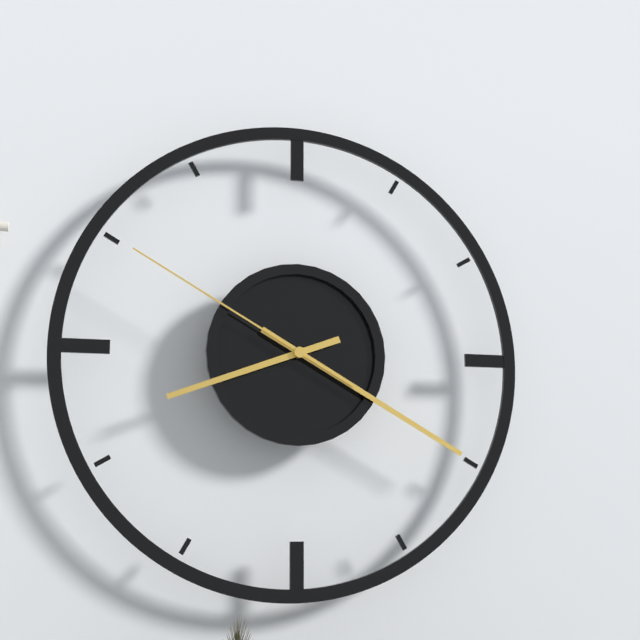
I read h=8 m=20 s=50
